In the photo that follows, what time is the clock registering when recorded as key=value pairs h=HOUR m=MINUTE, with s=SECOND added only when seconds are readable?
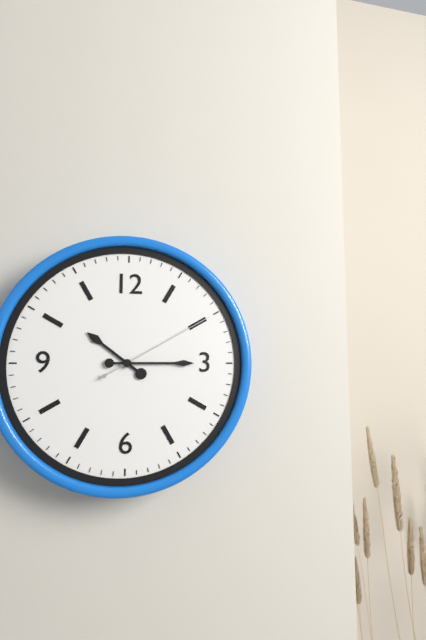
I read h=10 m=15 s=10
